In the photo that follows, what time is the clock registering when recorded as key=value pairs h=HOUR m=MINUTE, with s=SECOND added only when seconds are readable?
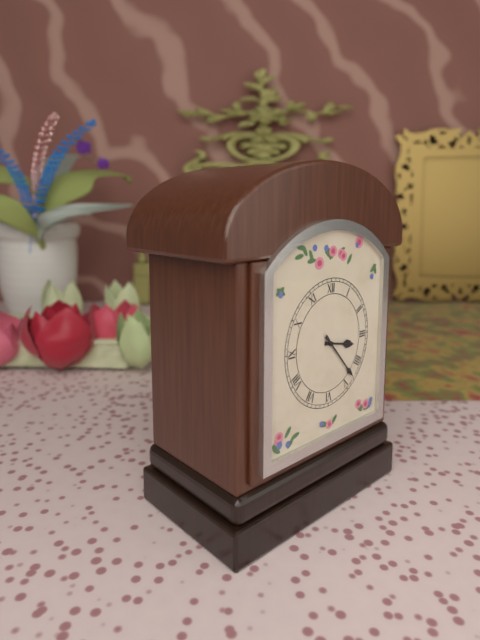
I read h=3 m=23
